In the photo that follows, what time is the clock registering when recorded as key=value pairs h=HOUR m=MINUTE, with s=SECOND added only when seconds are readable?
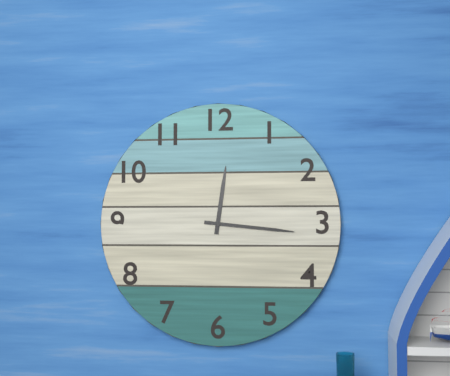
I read h=12 m=16
